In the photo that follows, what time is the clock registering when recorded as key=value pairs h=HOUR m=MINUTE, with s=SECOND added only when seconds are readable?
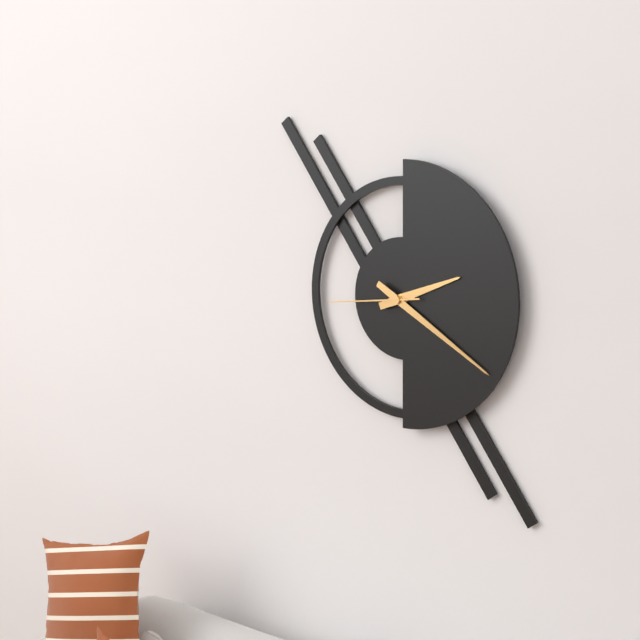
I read h=2 m=20 s=44
